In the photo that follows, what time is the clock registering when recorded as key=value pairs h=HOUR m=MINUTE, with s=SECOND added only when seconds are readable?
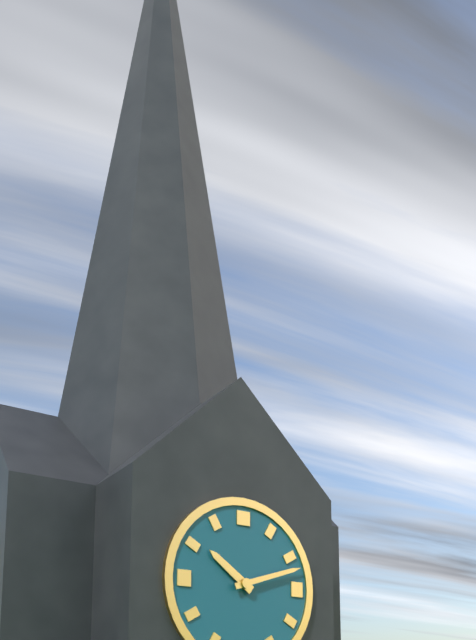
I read h=10 m=12
